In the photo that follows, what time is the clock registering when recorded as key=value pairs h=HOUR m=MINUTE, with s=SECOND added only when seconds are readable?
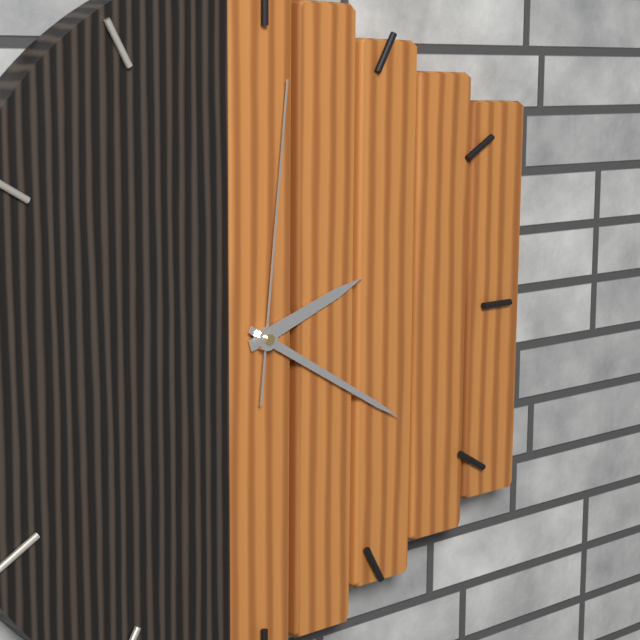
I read h=2 m=20 s=1
